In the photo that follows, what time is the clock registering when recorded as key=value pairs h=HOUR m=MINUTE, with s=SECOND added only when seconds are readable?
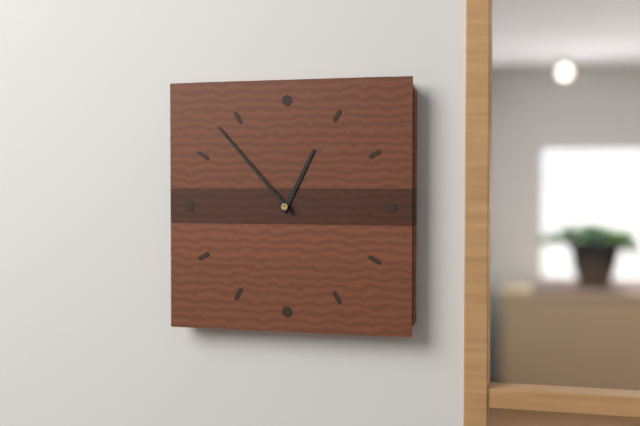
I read h=12 m=53
